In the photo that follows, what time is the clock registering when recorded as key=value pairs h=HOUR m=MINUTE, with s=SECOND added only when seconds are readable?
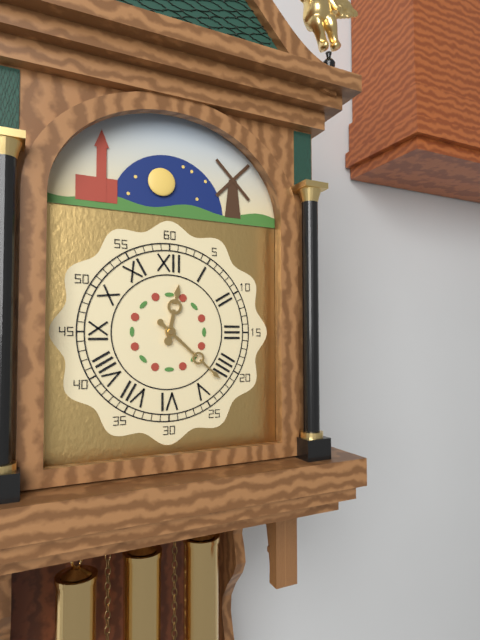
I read h=12 m=22
